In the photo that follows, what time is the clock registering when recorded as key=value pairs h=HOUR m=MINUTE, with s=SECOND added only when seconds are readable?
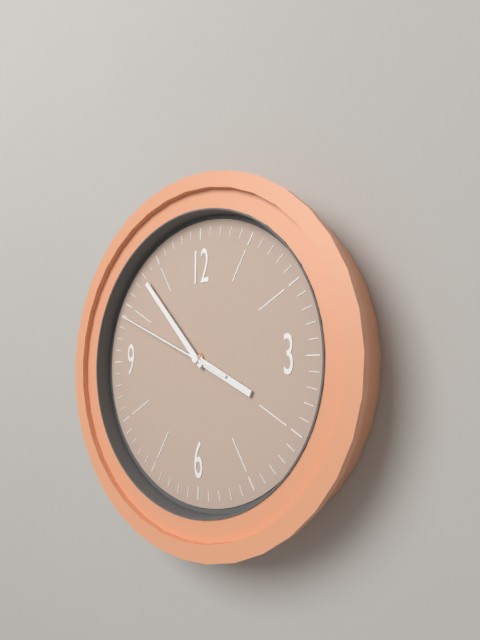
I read h=3 m=53 s=49
